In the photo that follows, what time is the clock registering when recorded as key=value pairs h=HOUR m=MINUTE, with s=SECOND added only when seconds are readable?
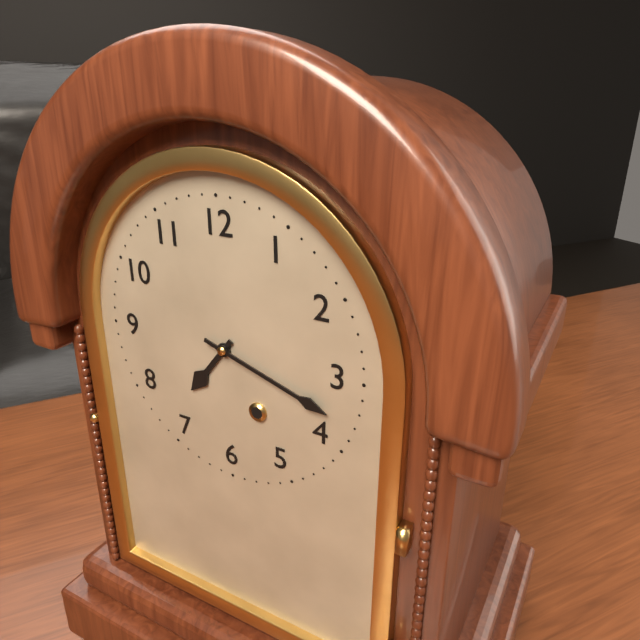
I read h=7 m=18
